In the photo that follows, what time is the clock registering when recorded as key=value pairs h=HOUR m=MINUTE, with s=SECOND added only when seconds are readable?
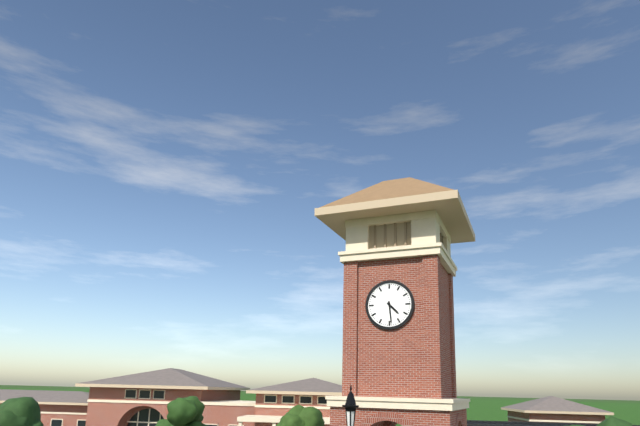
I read h=4 m=29
